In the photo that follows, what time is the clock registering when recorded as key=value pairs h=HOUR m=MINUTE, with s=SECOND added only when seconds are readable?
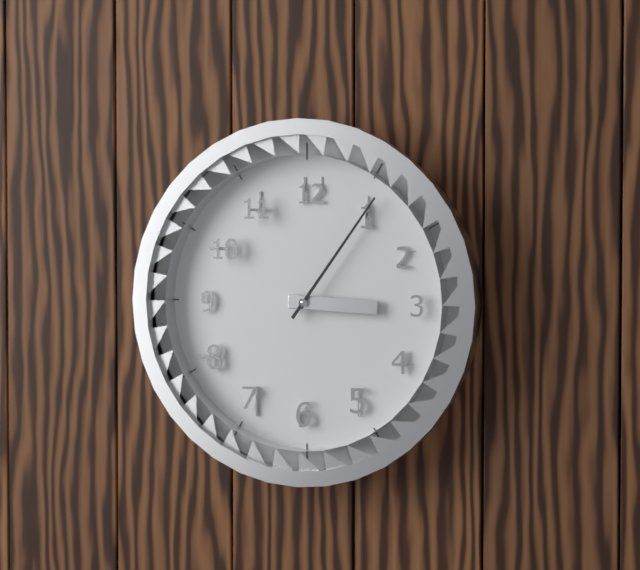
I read h=3 m=6
